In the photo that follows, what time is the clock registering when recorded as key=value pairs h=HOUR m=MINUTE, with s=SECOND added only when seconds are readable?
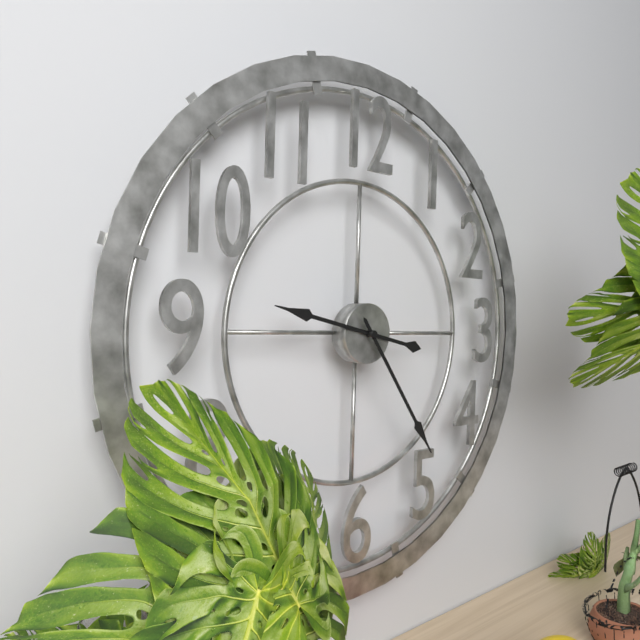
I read h=9 m=24
